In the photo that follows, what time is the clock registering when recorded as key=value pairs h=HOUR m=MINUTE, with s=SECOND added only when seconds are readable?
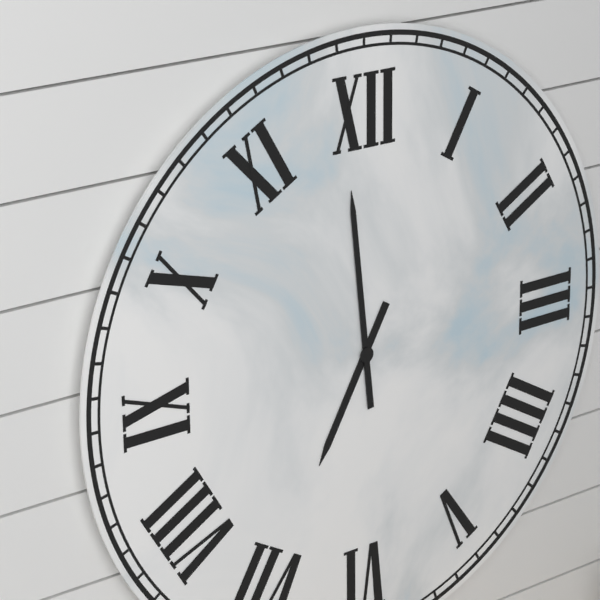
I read h=6 m=59
